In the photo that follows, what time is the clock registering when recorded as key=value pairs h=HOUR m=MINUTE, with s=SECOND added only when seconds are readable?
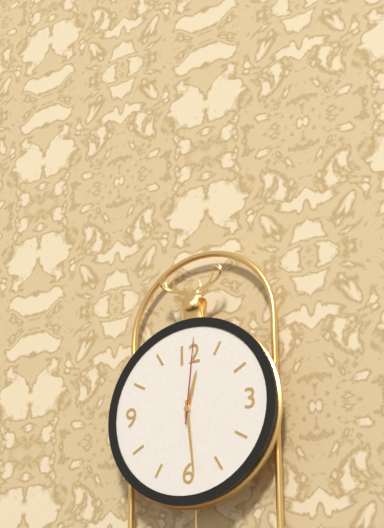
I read h=12 m=29 s=1
